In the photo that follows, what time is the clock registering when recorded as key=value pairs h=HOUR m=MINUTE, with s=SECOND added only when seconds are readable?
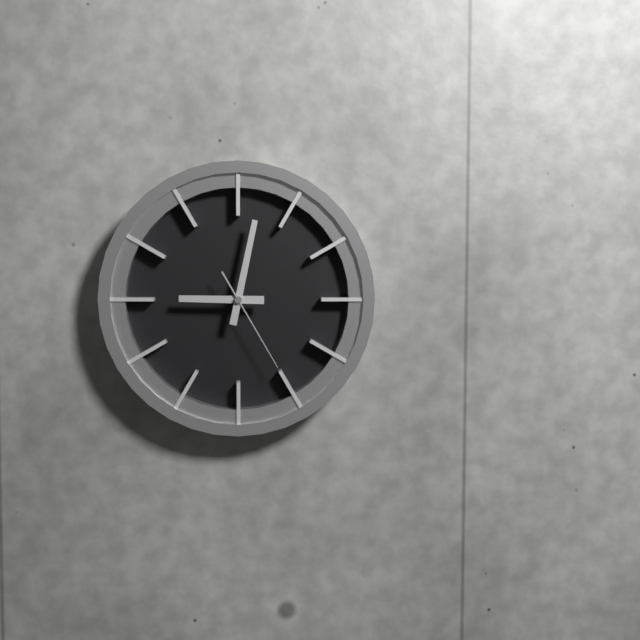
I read h=9 m=2 s=25
